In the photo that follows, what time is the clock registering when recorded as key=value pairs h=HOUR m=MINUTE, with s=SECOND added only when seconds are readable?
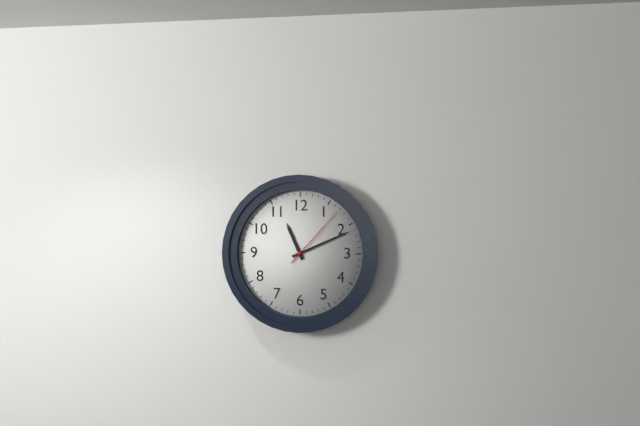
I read h=11 m=11 s=7
